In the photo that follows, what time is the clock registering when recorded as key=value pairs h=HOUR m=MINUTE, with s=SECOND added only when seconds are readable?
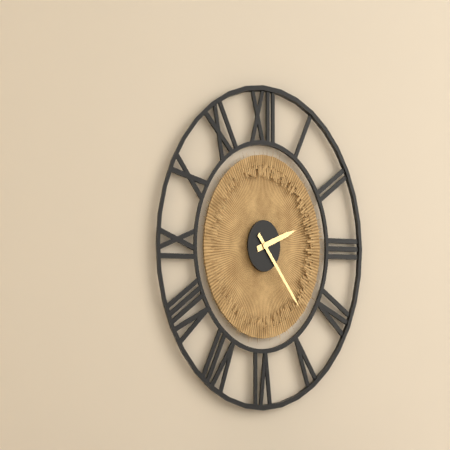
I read h=2 m=23
